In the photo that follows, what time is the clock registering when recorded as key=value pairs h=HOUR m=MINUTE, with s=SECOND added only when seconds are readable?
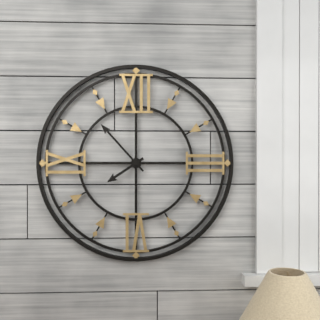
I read h=7 m=53
